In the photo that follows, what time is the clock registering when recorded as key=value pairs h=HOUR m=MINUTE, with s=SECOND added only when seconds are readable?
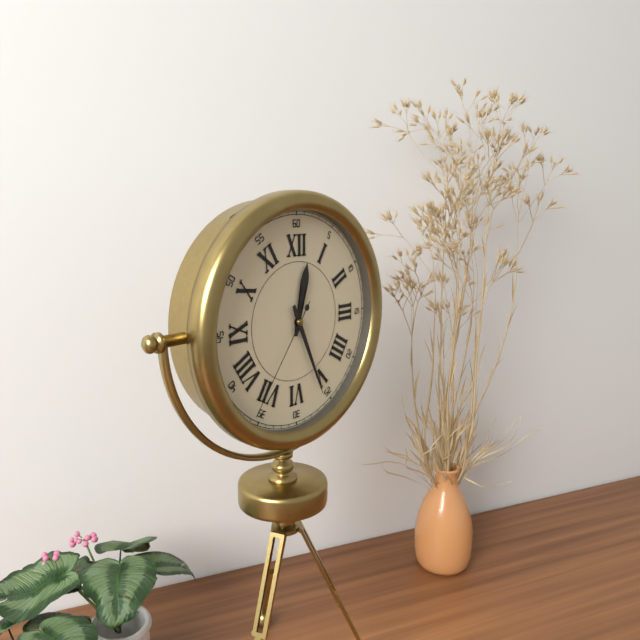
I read h=12 m=26 s=36
